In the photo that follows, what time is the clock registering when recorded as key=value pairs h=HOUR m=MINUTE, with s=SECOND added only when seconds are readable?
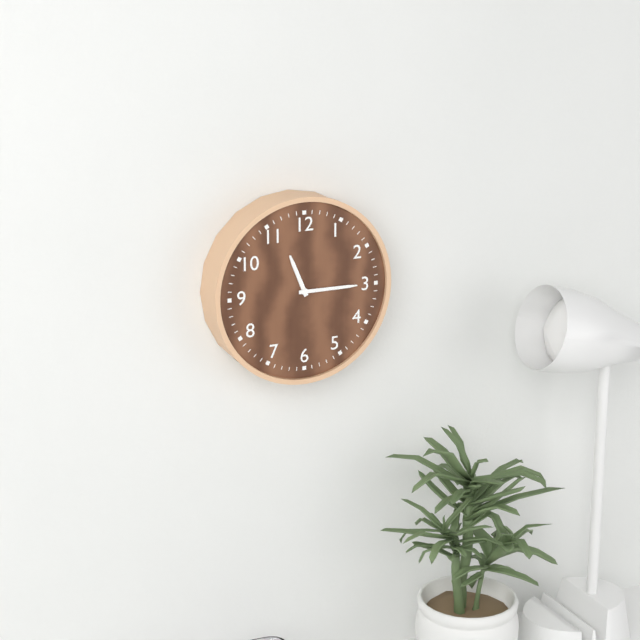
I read h=11 m=15
